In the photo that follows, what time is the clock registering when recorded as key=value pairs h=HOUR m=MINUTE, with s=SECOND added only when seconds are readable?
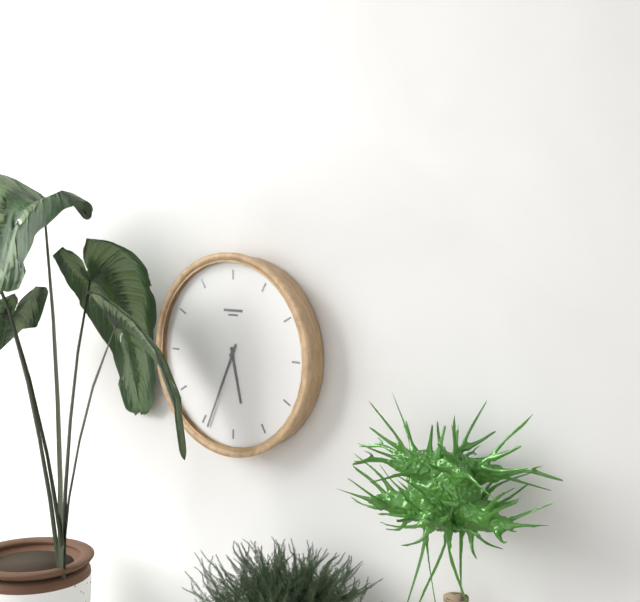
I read h=5 m=34
